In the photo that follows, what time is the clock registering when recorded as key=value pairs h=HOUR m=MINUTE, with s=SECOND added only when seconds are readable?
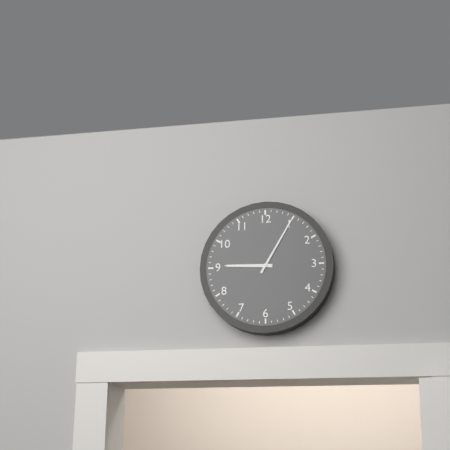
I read h=9 m=5
